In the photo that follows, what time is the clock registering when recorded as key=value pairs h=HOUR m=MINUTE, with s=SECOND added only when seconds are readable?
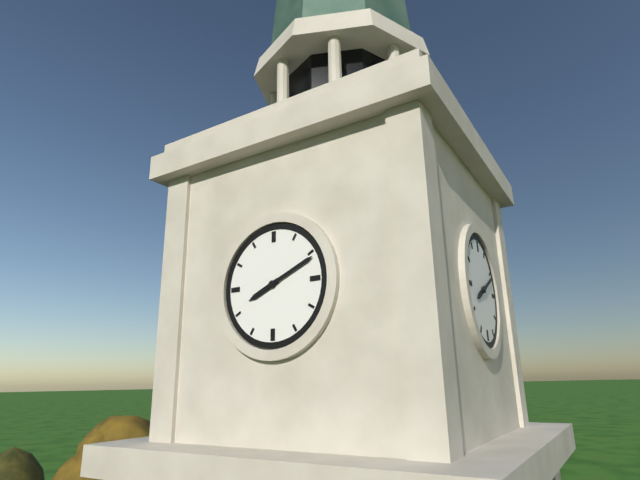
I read h=8 m=11
